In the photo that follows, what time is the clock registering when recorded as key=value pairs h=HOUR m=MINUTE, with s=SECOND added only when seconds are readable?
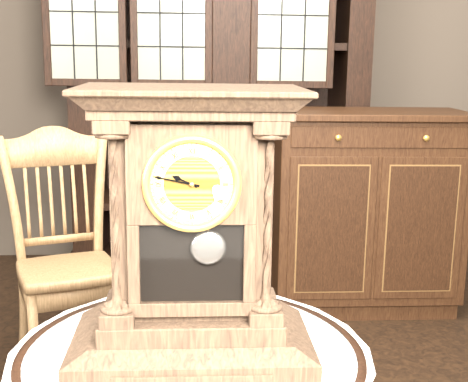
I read h=9 m=47
